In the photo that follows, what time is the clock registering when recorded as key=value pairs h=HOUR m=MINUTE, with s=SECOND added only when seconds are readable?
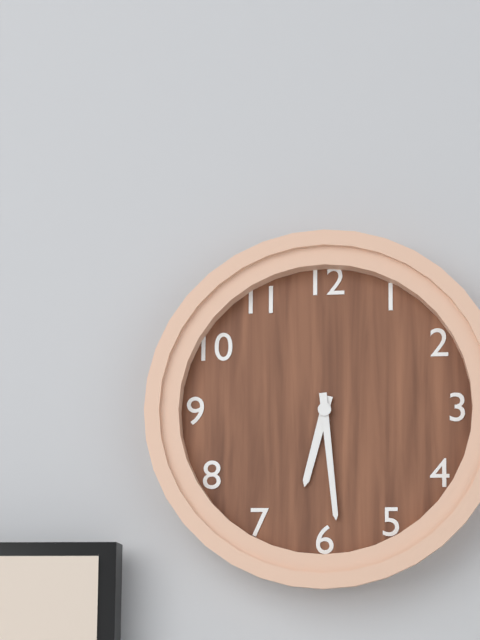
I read h=6 m=29
